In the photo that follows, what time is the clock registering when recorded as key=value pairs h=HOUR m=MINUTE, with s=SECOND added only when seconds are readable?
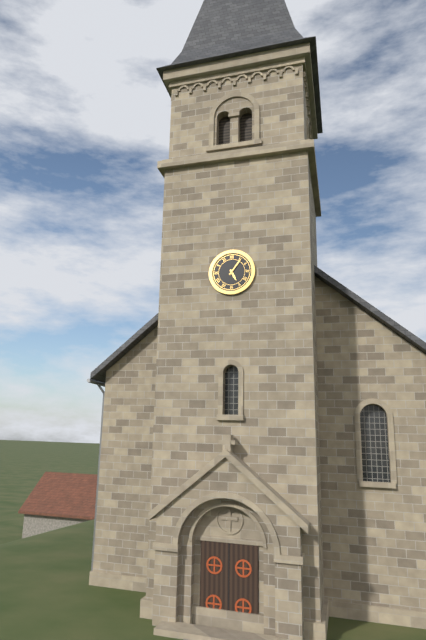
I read h=5 m=6
